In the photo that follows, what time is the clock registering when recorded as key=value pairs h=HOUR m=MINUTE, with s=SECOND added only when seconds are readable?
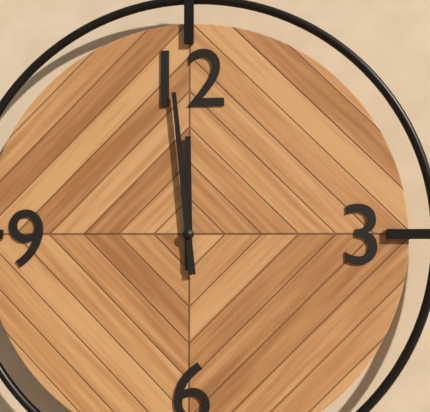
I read h=11 m=59
